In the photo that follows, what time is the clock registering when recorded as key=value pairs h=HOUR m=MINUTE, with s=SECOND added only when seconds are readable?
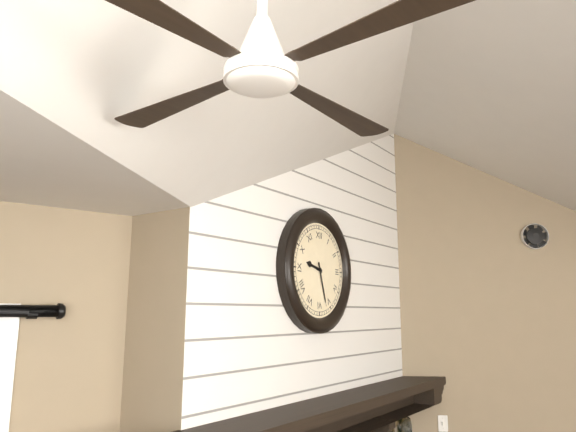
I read h=9 m=27
